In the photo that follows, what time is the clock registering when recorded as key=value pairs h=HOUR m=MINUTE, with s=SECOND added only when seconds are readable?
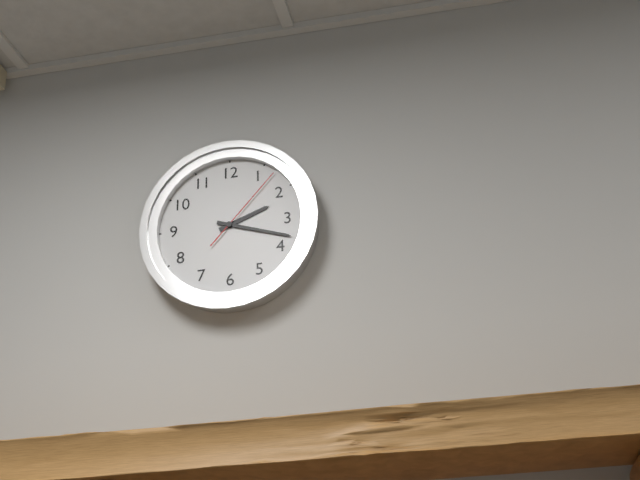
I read h=2 m=18 s=7
